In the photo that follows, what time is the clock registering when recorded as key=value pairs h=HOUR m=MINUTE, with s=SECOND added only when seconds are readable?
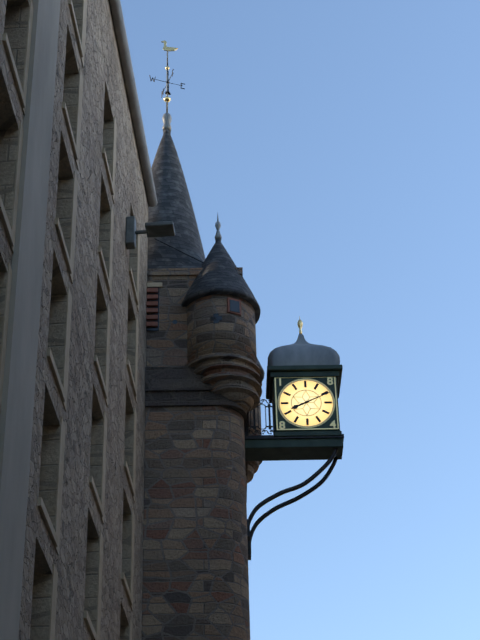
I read h=8 m=11
